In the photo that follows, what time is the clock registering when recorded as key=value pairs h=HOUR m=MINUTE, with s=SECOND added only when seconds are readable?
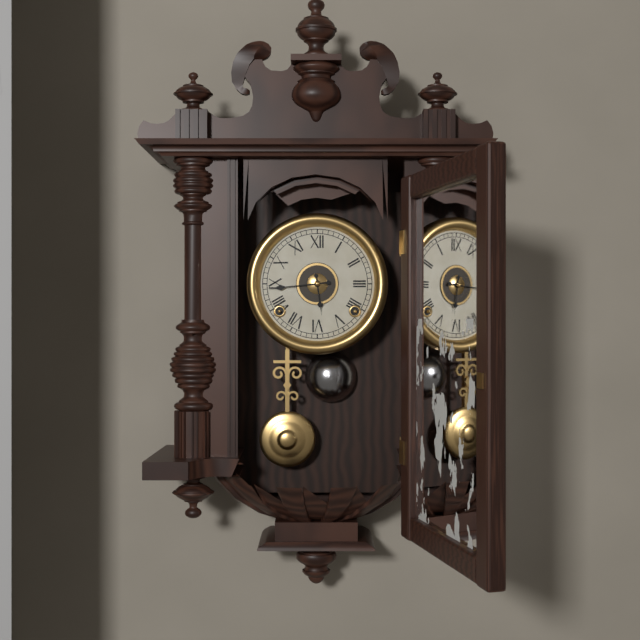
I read h=5 m=44
